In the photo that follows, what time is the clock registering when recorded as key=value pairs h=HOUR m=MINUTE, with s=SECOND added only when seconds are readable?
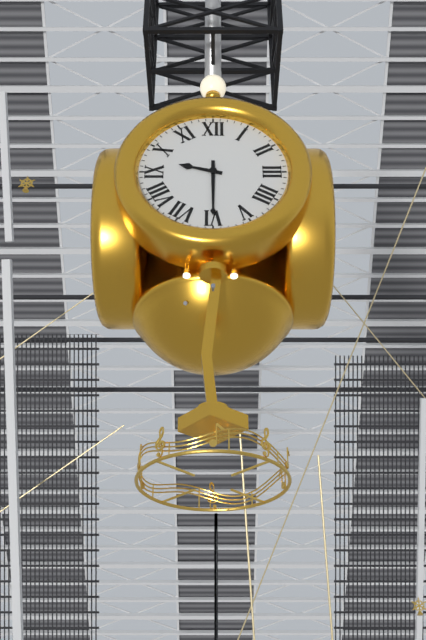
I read h=9 m=30
